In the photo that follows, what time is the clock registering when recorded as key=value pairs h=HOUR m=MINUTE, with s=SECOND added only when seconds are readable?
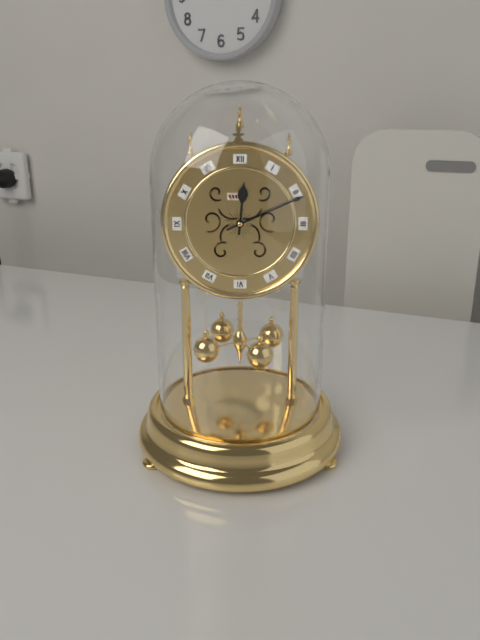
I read h=12 m=11
